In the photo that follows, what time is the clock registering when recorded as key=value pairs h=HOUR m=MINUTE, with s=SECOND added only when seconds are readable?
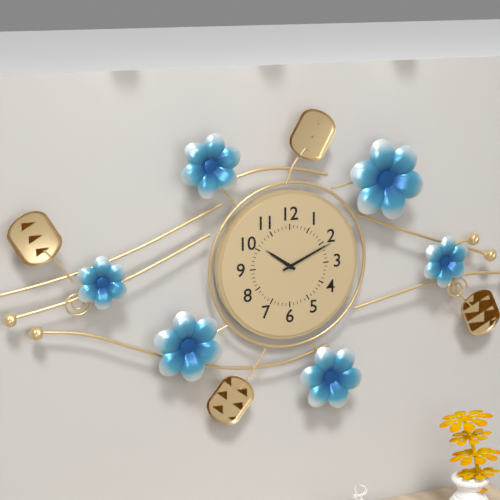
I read h=10 m=11
